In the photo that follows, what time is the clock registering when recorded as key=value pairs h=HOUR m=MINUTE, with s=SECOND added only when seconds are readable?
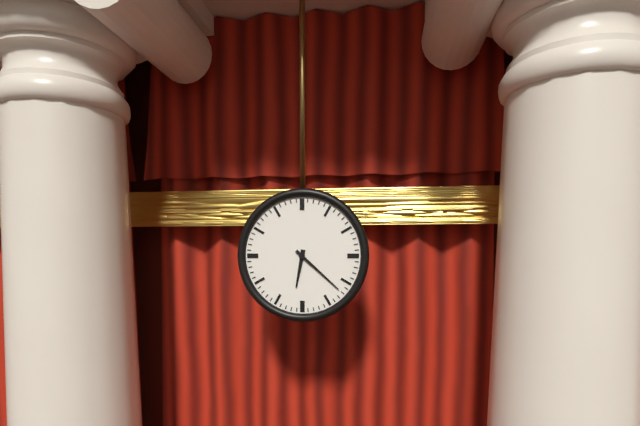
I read h=6 m=22
